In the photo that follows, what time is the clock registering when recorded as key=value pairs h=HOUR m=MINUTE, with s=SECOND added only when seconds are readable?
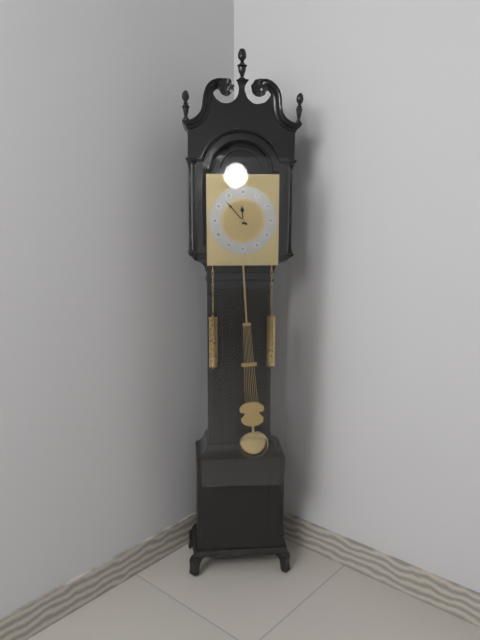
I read h=11 m=53
